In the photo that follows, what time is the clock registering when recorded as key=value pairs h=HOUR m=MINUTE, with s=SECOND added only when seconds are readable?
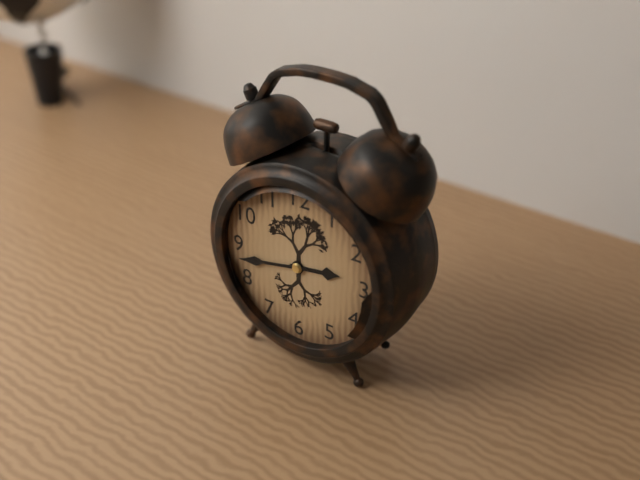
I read h=2 m=43
